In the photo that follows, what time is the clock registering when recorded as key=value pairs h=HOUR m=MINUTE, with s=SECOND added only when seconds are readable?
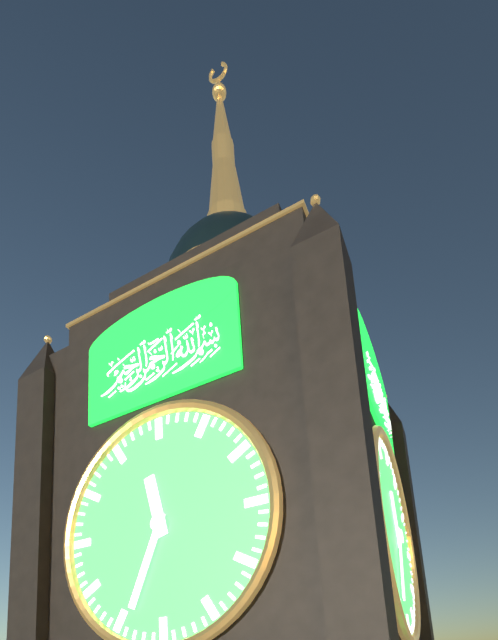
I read h=11 m=34
